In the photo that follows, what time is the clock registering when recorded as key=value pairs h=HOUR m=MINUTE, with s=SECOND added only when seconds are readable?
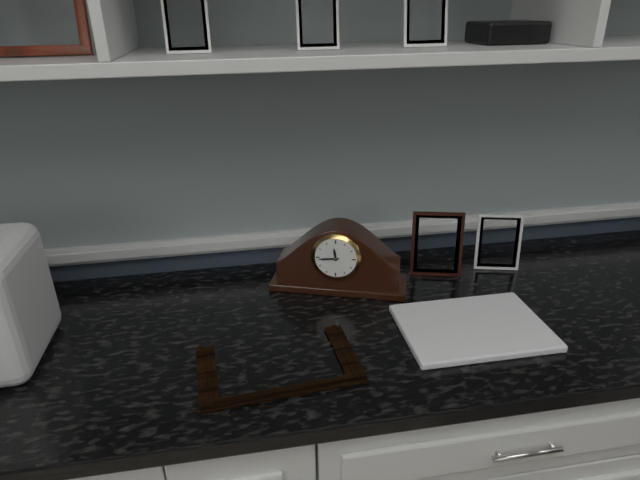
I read h=11 m=44
